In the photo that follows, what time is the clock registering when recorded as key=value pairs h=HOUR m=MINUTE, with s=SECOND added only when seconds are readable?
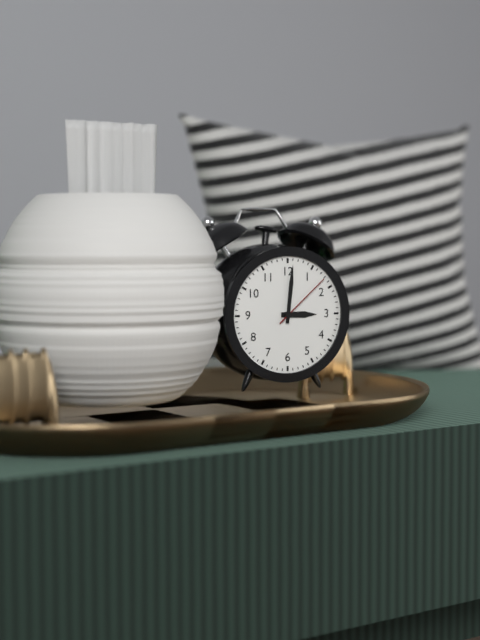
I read h=3 m=1 s=8
